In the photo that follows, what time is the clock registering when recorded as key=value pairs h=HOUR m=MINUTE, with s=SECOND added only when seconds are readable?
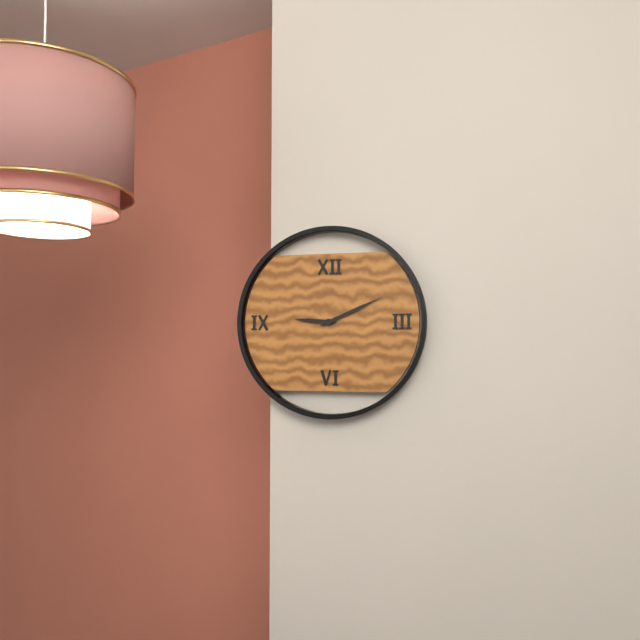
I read h=9 m=11
